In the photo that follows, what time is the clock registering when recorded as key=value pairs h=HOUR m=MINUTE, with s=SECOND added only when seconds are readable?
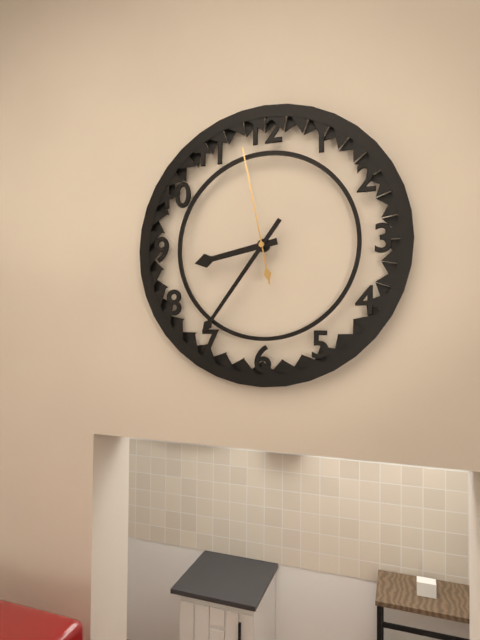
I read h=8 m=36 s=58
